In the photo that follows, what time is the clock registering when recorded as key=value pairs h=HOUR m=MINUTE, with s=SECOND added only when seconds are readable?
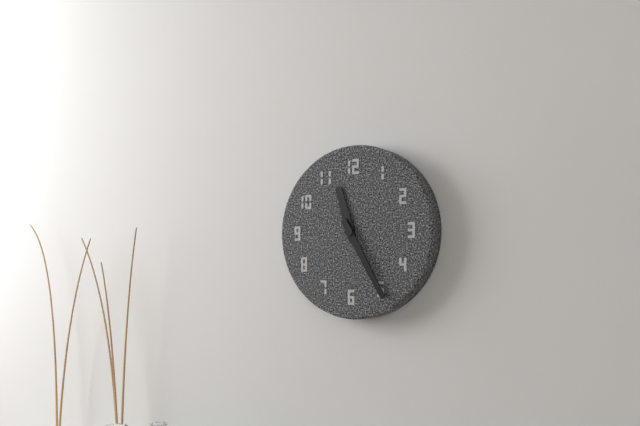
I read h=11 m=25
